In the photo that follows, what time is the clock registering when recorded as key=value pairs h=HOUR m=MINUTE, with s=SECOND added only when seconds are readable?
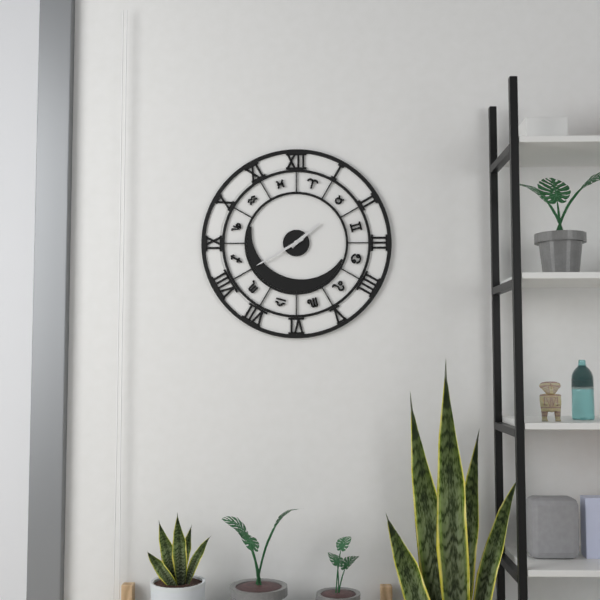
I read h=1 m=40
